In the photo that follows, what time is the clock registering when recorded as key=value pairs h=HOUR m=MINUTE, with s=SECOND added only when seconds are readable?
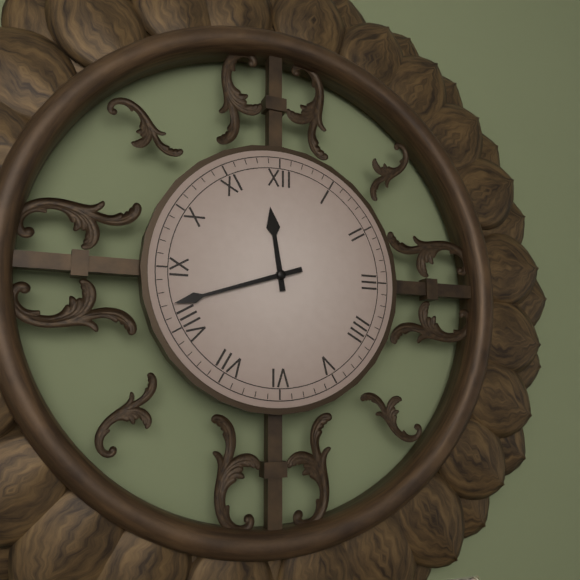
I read h=11 m=42
